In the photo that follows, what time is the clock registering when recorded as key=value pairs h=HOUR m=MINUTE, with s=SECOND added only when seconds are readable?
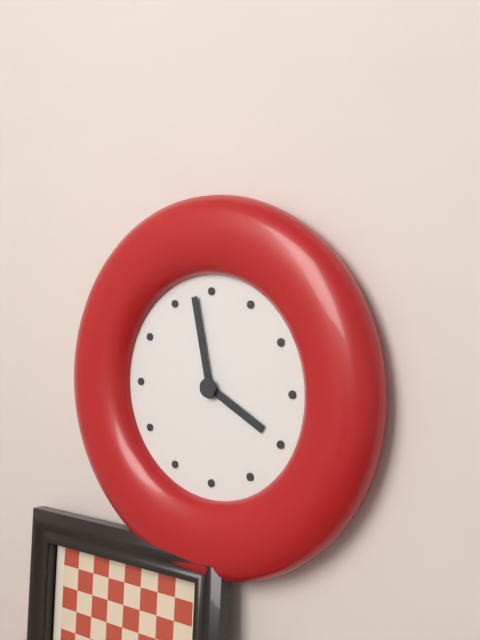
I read h=3 m=58
